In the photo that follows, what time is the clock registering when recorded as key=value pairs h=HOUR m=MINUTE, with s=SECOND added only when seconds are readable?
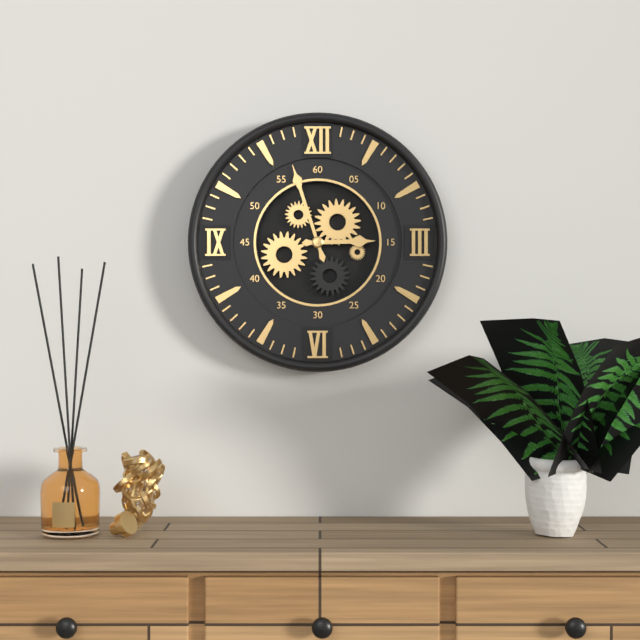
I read h=2 m=57
